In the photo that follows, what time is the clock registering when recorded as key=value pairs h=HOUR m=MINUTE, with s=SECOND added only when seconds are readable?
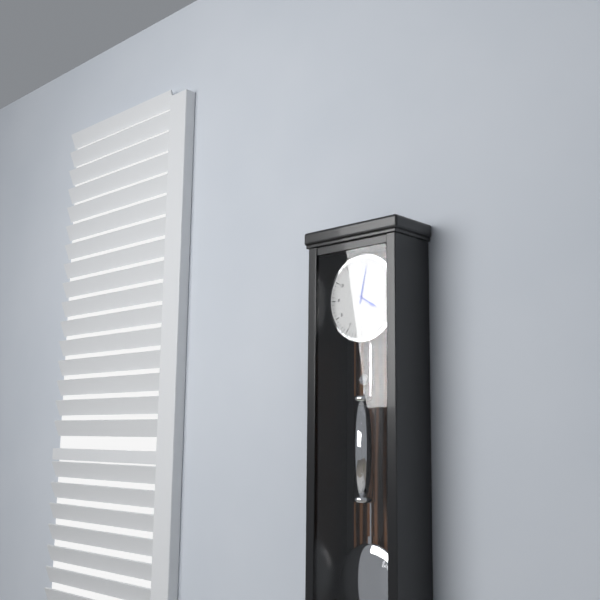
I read h=4 m=2
